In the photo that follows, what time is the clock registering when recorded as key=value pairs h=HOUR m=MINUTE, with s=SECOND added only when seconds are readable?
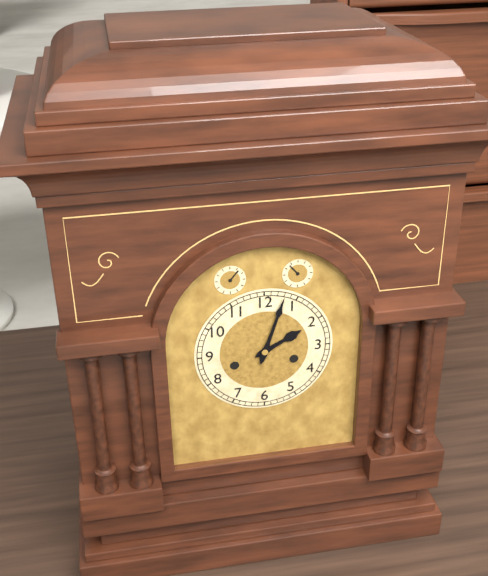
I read h=2 m=3
